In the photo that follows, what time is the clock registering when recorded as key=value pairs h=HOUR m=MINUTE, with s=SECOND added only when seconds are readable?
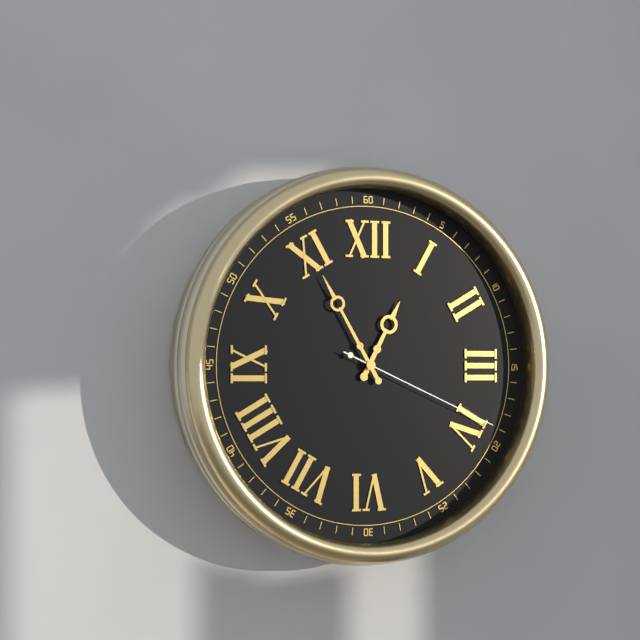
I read h=12 m=55 s=19
